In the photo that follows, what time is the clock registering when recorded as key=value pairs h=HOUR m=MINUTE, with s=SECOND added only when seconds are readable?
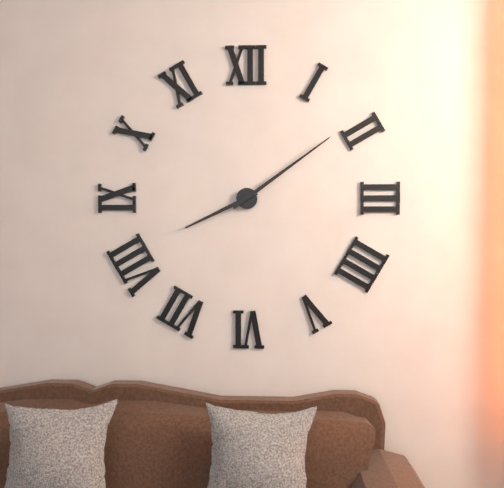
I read h=8 m=9
